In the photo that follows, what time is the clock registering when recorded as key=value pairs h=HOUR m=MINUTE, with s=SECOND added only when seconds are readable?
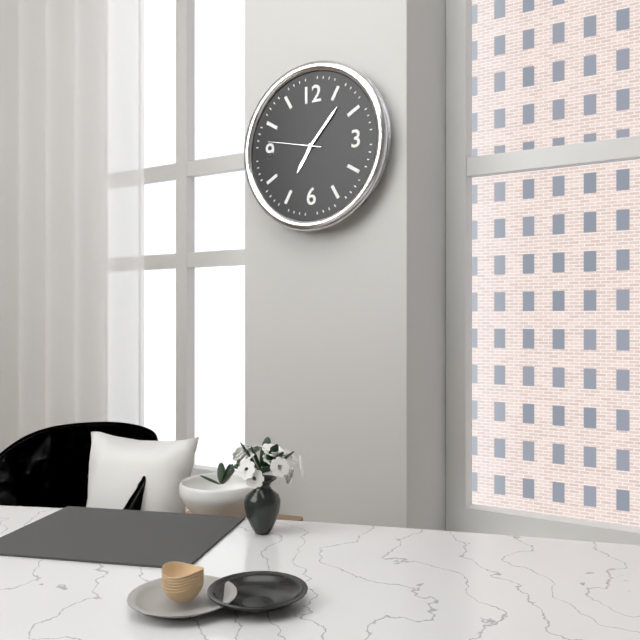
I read h=7 m=7 s=47
